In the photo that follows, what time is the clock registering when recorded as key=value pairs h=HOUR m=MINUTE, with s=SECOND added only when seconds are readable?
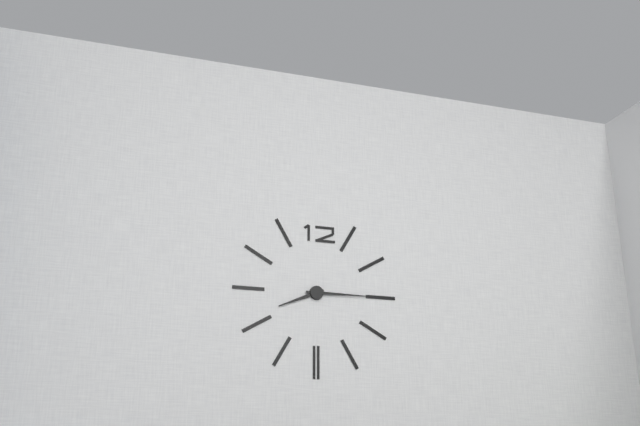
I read h=8 m=15
